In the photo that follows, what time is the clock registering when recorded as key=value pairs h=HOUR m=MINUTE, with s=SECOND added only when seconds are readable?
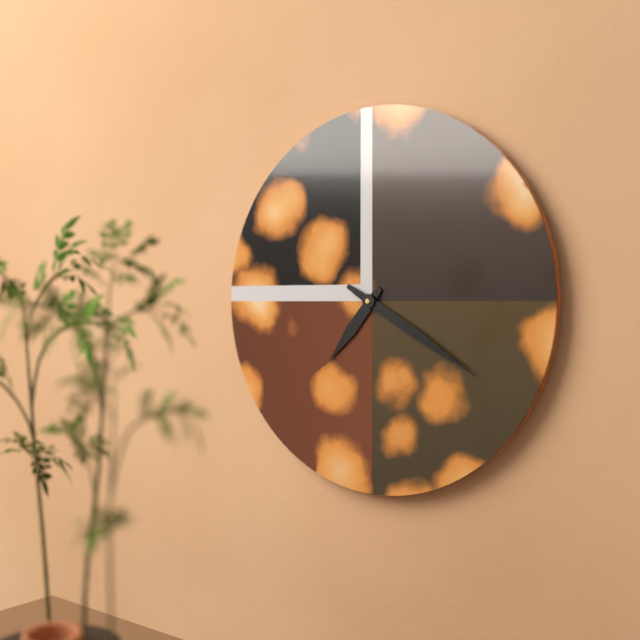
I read h=7 m=20
